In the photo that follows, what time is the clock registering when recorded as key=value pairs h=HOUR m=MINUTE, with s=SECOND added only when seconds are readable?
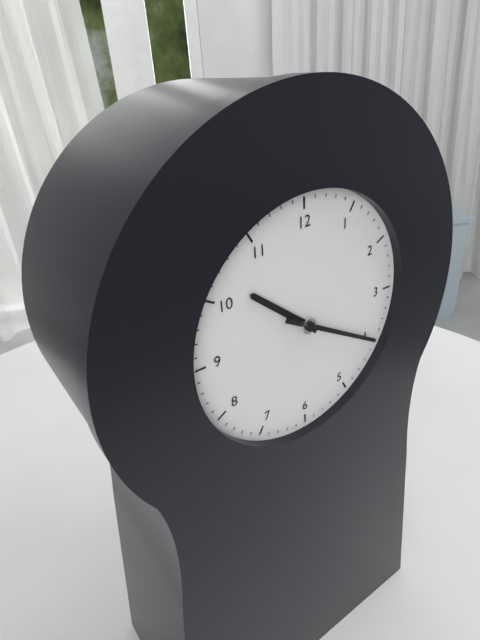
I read h=10 m=20
